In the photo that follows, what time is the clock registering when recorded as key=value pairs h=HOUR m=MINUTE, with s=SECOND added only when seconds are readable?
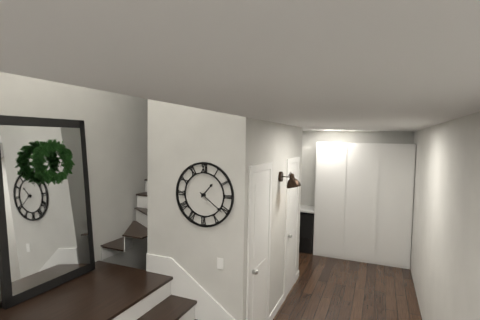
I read h=1 m=21
